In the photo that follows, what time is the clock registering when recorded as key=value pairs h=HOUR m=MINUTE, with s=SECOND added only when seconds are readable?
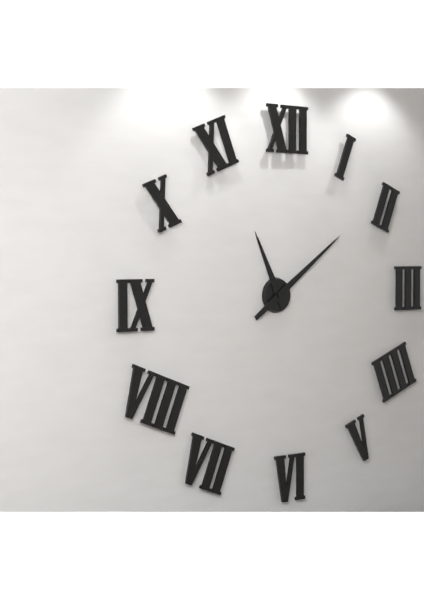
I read h=11 m=9
